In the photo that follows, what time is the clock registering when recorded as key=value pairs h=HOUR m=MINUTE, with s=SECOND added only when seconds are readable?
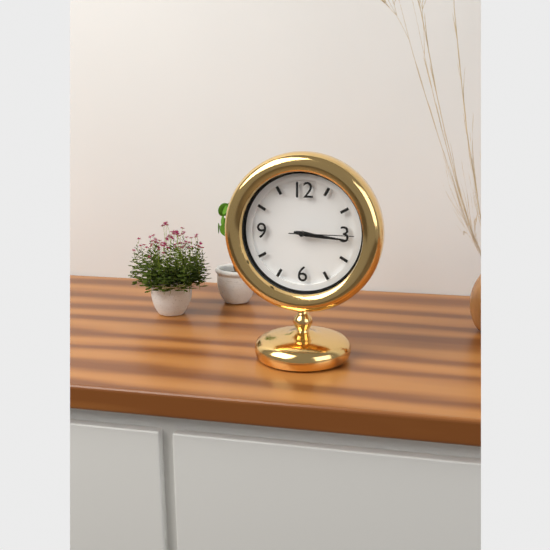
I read h=3 m=16 s=15
